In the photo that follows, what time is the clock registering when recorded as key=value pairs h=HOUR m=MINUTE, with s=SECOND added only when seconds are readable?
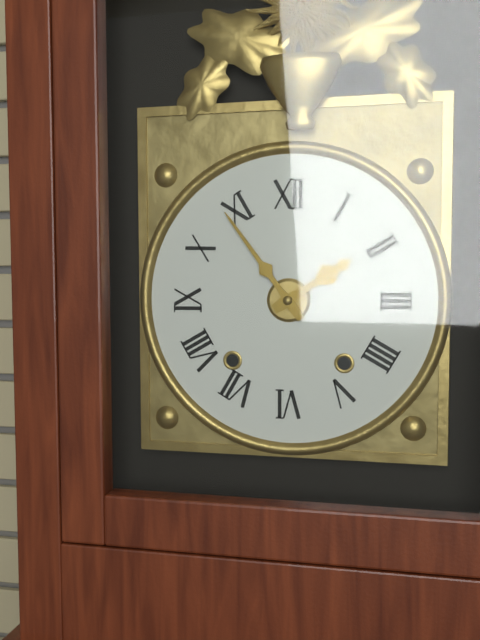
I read h=1 m=54
